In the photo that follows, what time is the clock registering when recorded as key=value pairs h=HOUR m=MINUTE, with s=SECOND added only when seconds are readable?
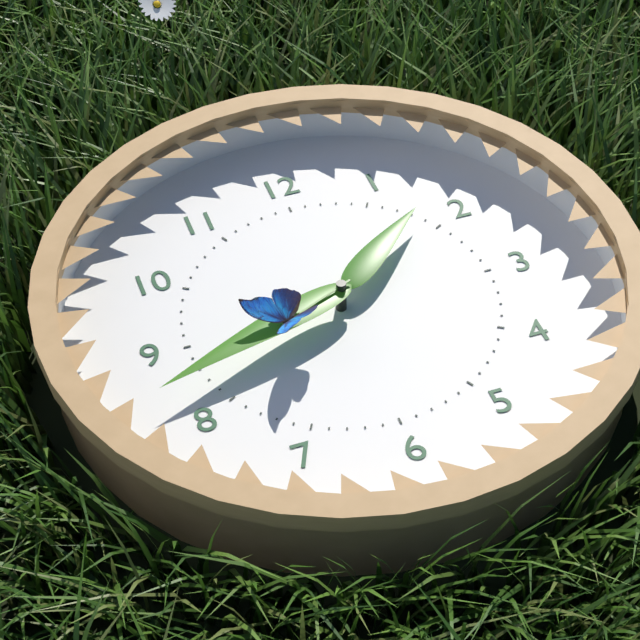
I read h=1 m=42 s=41
